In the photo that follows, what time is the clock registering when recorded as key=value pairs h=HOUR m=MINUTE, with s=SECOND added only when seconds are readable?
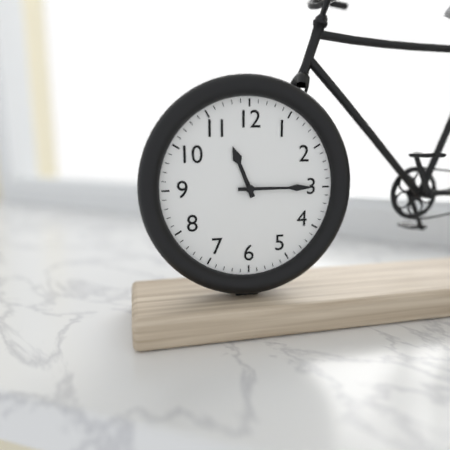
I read h=11 m=15
